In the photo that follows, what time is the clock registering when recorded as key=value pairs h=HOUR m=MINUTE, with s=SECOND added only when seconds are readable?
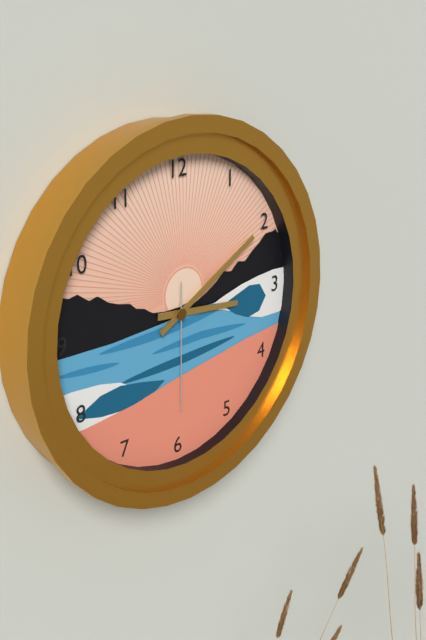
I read h=3 m=10 s=30
